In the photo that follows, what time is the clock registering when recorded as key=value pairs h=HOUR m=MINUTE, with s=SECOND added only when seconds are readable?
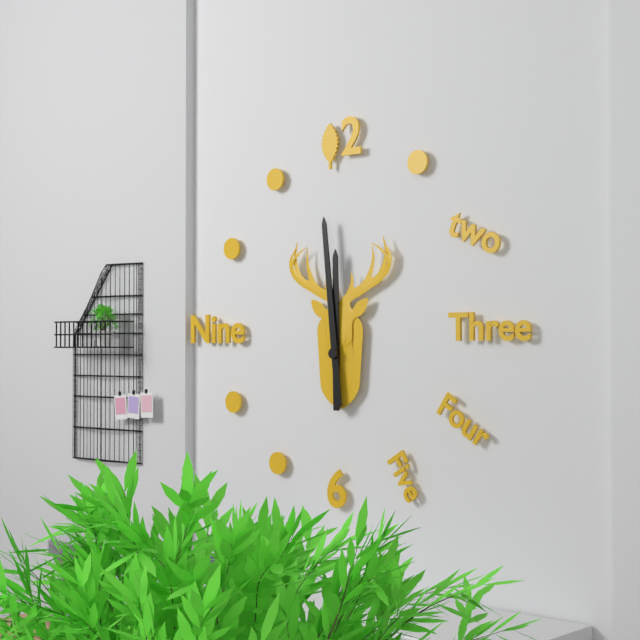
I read h=11 m=59
